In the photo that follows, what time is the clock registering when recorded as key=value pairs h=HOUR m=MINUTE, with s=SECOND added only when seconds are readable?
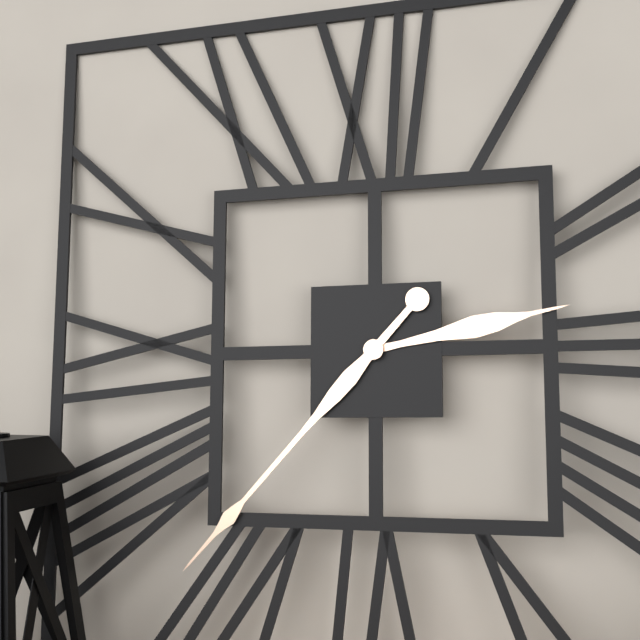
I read h=2 m=37
